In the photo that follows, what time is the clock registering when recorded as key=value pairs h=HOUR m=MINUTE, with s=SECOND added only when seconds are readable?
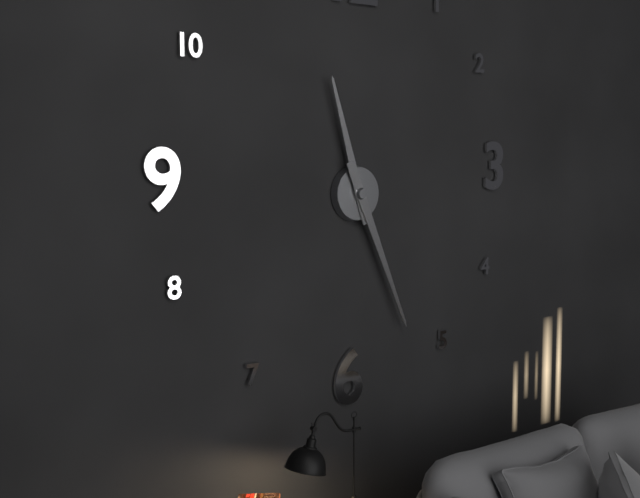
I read h=11 m=26
